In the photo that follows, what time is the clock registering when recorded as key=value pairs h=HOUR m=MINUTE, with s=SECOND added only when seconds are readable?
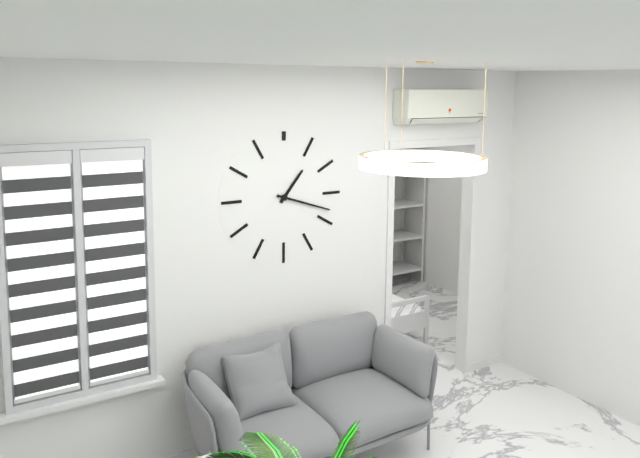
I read h=1 m=18
